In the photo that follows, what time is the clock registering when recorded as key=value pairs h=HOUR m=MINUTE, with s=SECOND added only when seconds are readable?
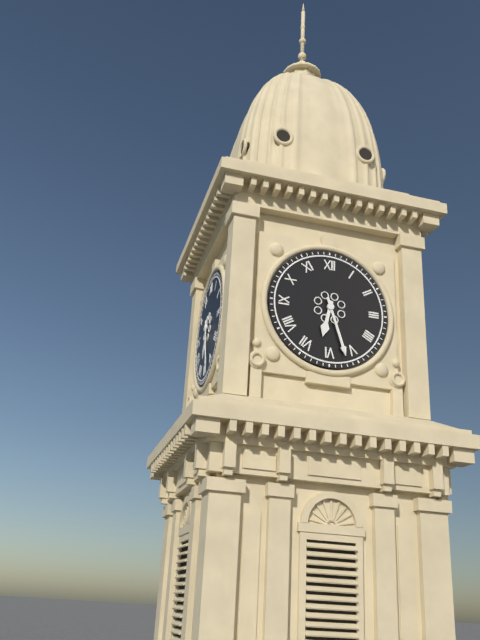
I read h=6 m=27
